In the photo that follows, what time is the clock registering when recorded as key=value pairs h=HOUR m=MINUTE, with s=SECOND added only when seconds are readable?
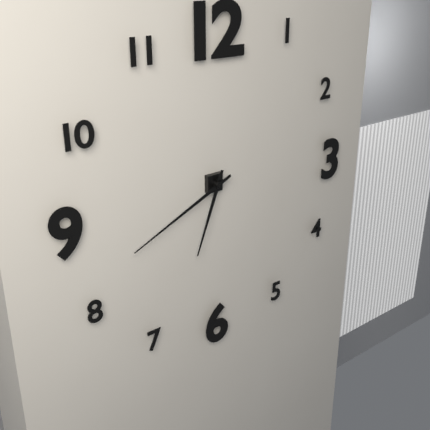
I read h=6 m=41
